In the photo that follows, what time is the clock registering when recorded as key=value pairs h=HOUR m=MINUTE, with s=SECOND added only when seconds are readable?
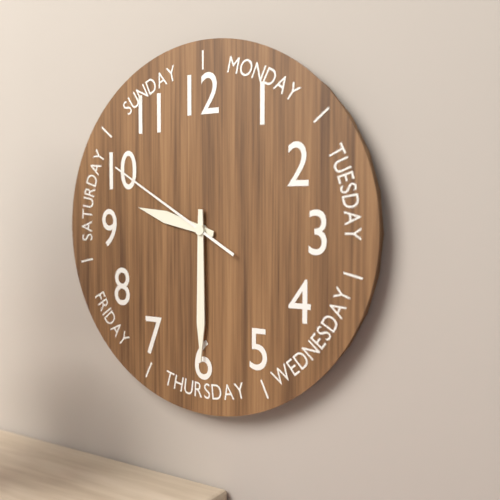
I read h=9 m=30 s=50
